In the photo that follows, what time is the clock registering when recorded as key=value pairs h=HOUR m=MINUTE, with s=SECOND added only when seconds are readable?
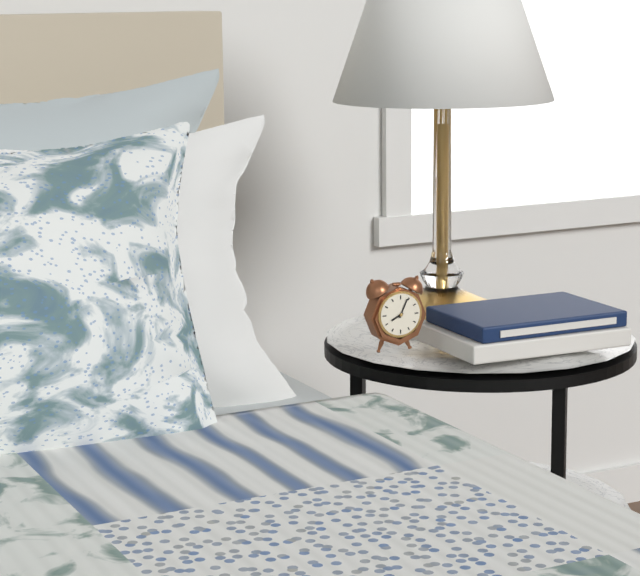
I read h=8 m=4
